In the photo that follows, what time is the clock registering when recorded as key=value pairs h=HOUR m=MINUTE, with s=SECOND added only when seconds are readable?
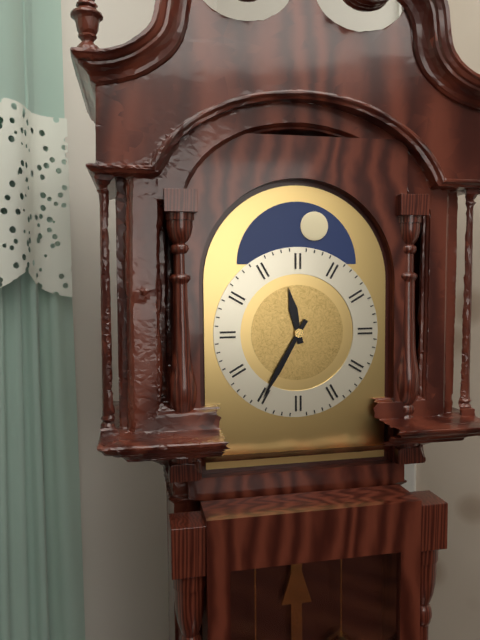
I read h=11 m=35
